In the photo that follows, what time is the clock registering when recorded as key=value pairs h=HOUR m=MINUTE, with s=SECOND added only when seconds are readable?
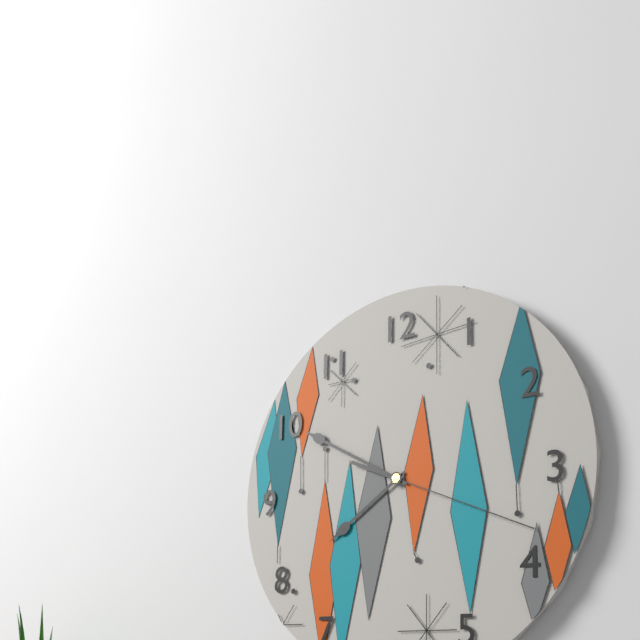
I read h=7 m=50 s=19
